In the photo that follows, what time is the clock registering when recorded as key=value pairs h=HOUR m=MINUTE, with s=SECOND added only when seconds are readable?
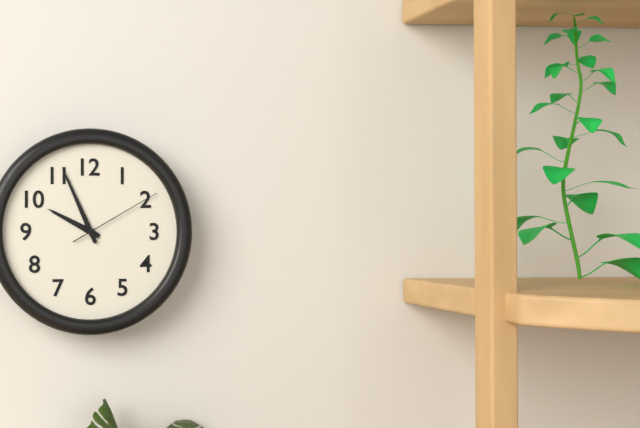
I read h=9 m=56 s=10
